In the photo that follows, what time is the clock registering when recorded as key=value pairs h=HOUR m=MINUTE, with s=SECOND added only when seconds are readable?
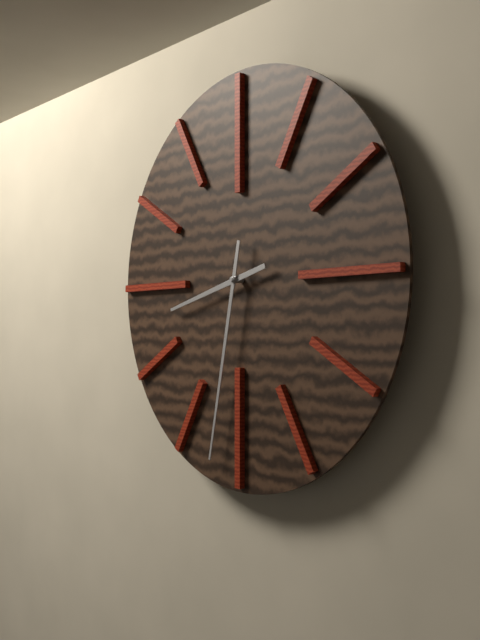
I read h=8 m=32
